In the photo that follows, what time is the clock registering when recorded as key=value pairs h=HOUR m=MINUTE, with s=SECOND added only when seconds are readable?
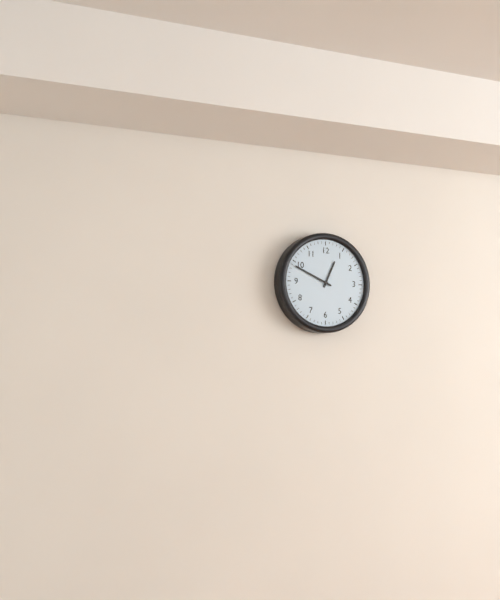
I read h=12 m=49
